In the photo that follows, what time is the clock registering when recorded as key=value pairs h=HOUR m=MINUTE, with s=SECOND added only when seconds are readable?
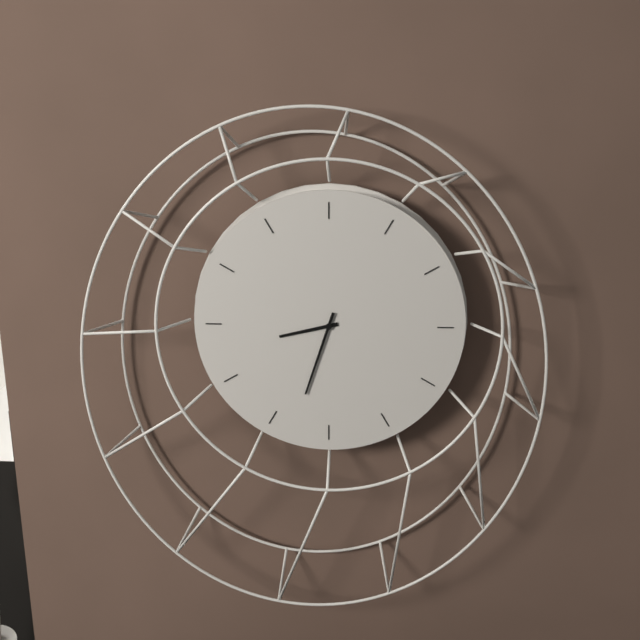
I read h=8 m=33
